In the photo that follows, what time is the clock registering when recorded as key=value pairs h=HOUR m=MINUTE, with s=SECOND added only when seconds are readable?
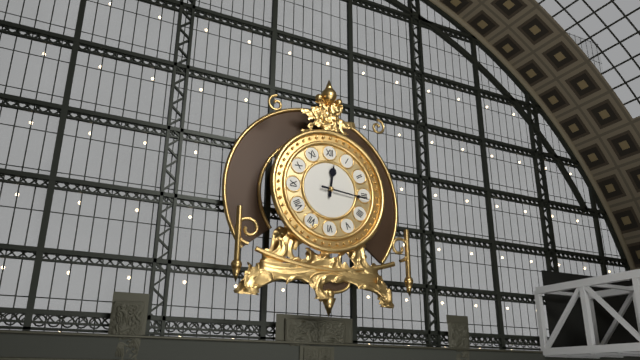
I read h=12 m=16
